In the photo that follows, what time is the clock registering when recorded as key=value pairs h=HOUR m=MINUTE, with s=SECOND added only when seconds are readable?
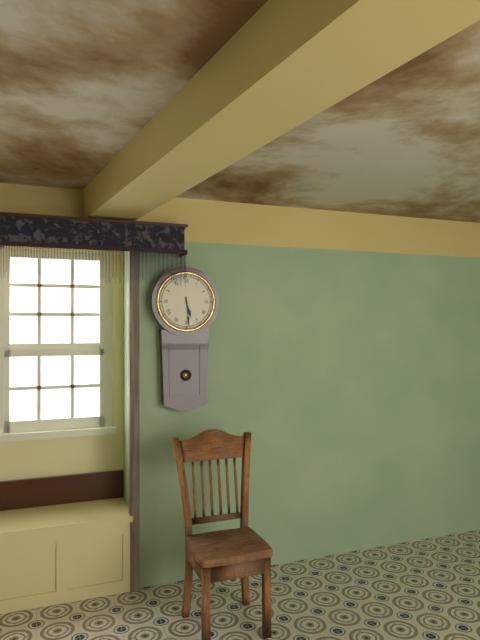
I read h=5 m=29
